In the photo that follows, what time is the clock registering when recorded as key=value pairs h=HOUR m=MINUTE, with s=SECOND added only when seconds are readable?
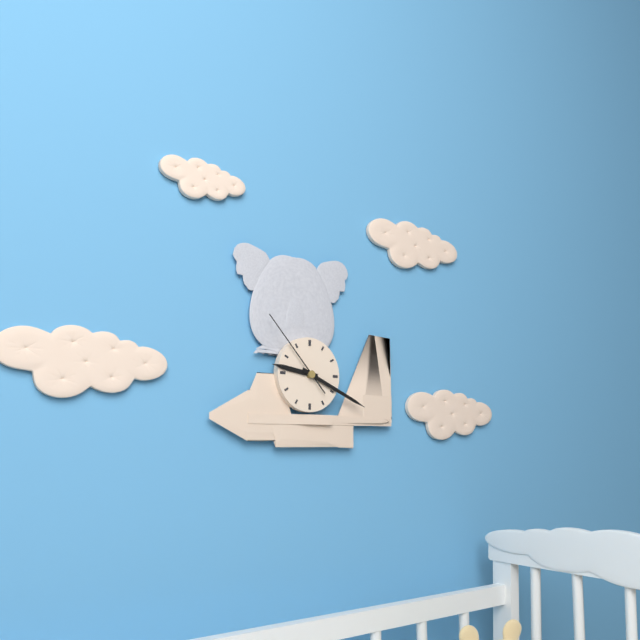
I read h=9 m=19 s=53
